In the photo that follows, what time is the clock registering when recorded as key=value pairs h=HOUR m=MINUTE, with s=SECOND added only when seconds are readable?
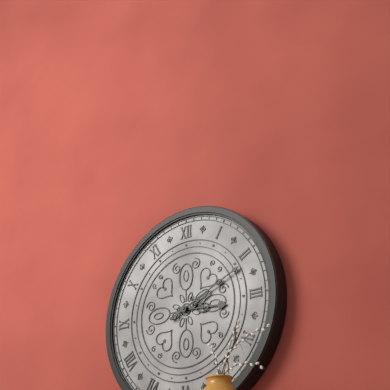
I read h=3 m=11
